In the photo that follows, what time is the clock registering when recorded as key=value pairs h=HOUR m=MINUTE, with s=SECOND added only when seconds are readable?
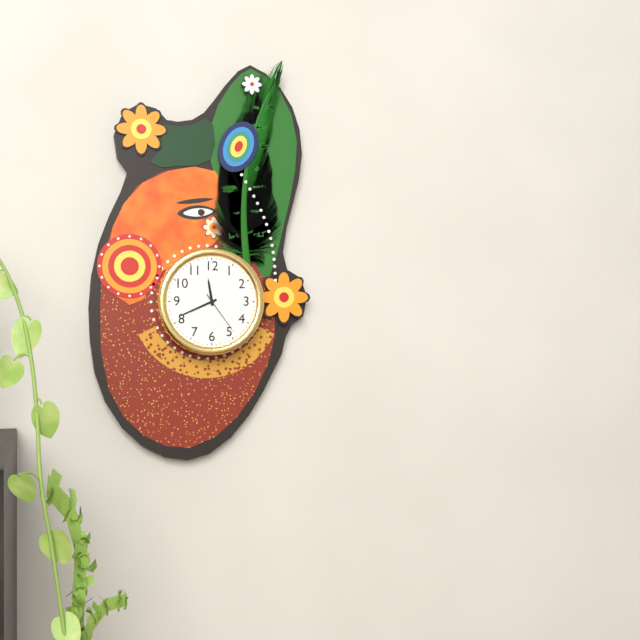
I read h=11 m=41
